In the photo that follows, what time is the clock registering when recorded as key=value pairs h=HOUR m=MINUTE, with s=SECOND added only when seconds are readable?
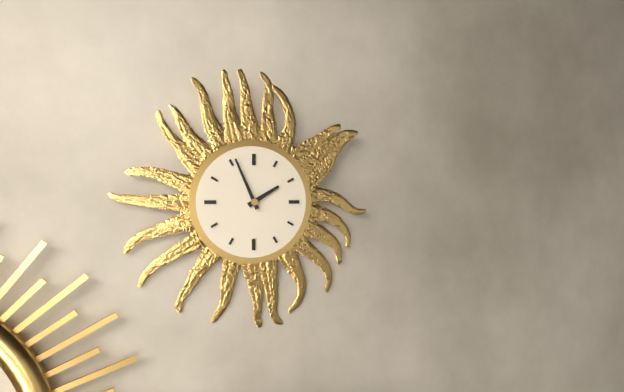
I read h=1 m=56
